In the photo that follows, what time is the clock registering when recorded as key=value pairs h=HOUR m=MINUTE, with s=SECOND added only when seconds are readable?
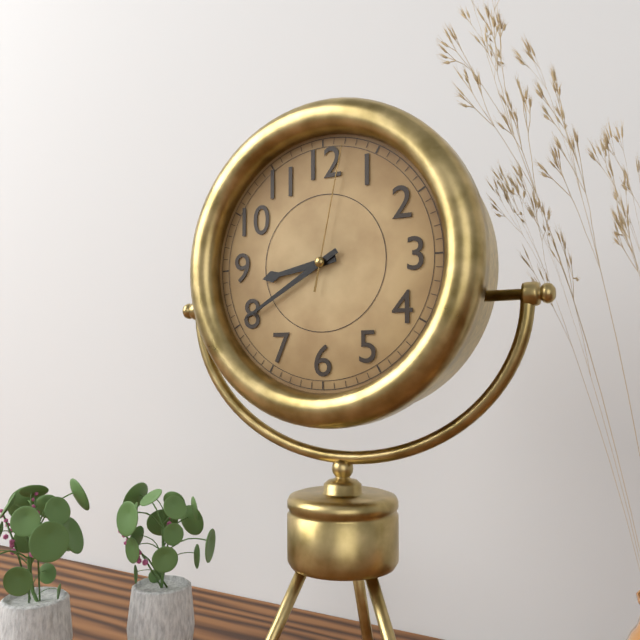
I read h=8 m=40 s=2
